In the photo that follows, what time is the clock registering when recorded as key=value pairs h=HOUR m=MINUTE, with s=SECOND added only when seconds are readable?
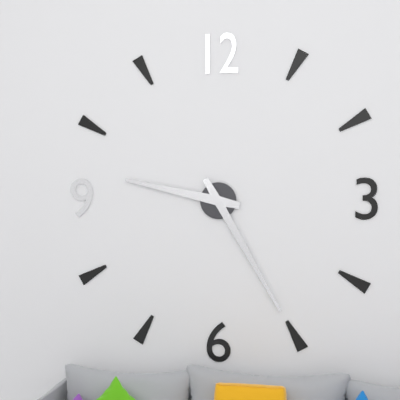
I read h=9 m=25
